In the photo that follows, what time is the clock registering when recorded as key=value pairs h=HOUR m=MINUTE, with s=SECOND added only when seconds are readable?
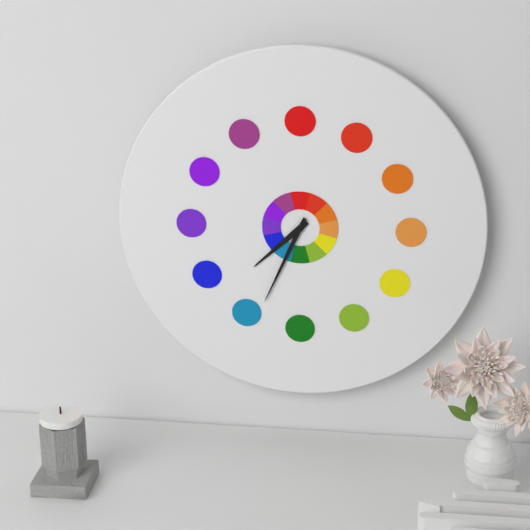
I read h=7 m=34
